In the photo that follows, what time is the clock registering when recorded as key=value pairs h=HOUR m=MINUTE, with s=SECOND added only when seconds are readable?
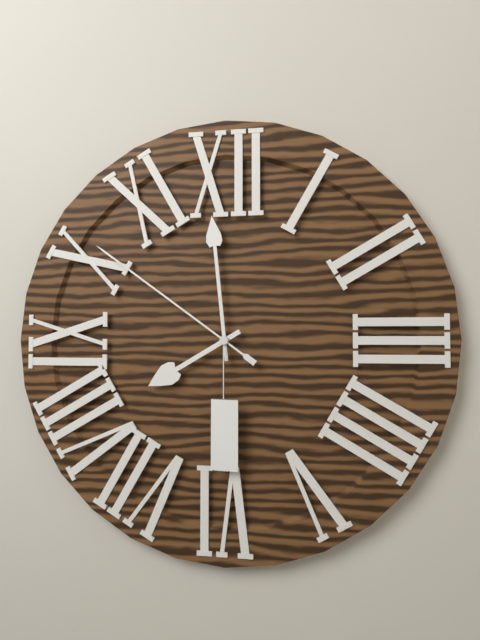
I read h=7 m=59 s=51
